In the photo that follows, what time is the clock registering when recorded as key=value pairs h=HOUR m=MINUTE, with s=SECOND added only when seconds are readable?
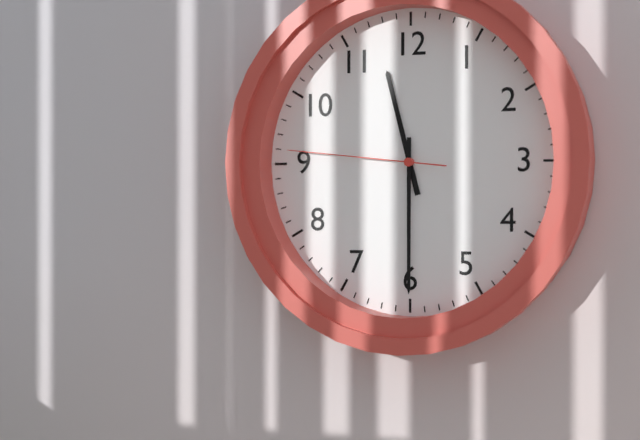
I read h=11 m=30 s=46
